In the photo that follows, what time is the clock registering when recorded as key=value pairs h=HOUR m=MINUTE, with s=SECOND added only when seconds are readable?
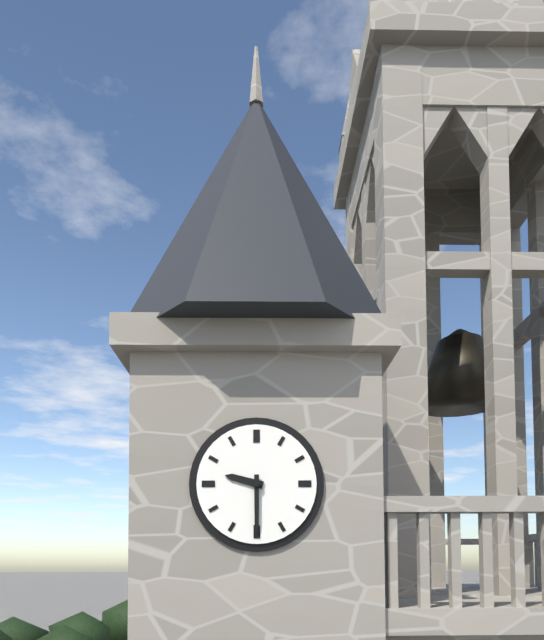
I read h=9 m=30
